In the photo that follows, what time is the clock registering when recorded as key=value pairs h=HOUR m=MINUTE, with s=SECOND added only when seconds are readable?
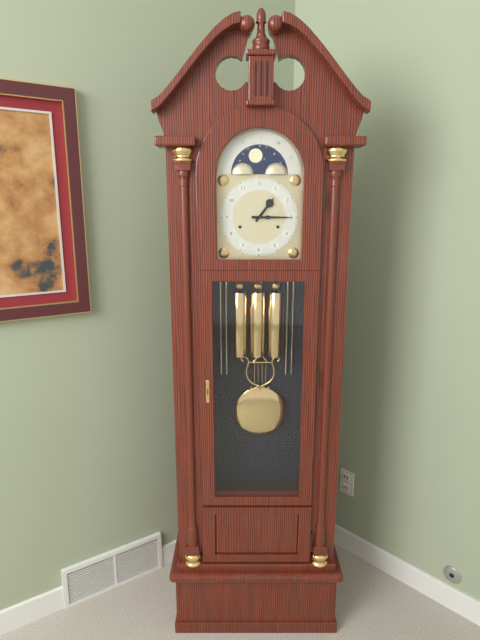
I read h=1 m=15
